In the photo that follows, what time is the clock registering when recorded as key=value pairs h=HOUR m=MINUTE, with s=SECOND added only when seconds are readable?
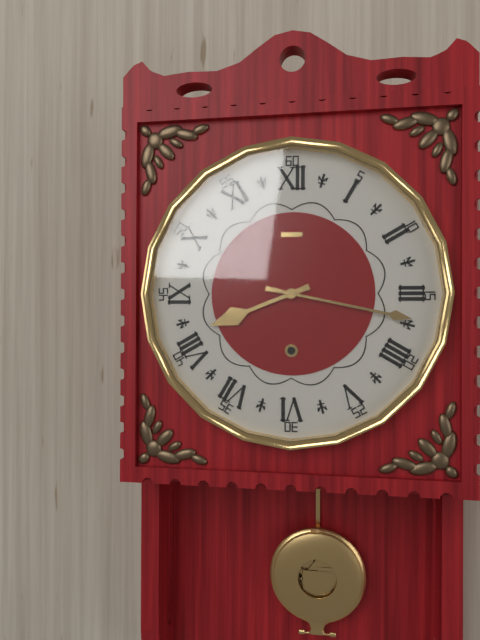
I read h=8 m=17
